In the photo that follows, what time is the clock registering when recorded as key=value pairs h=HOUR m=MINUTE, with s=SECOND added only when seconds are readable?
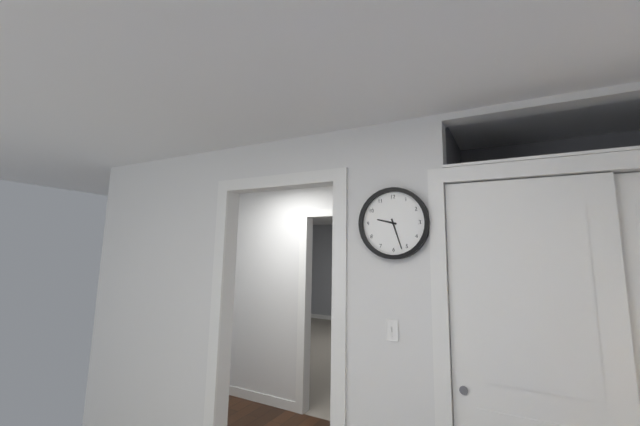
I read h=9 m=27
